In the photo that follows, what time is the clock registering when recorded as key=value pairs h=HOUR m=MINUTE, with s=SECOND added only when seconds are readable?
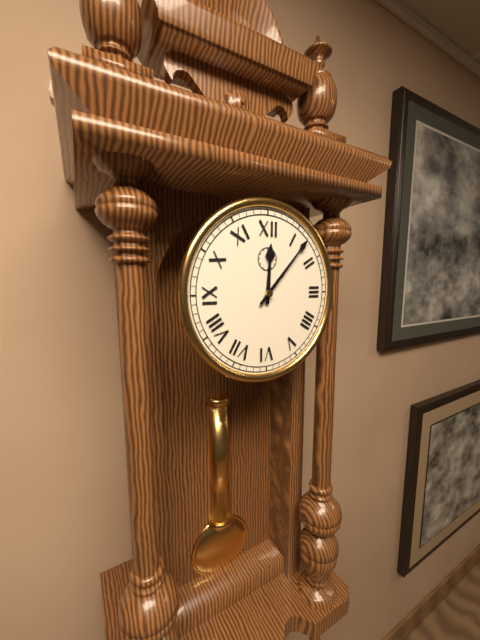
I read h=12 m=7
